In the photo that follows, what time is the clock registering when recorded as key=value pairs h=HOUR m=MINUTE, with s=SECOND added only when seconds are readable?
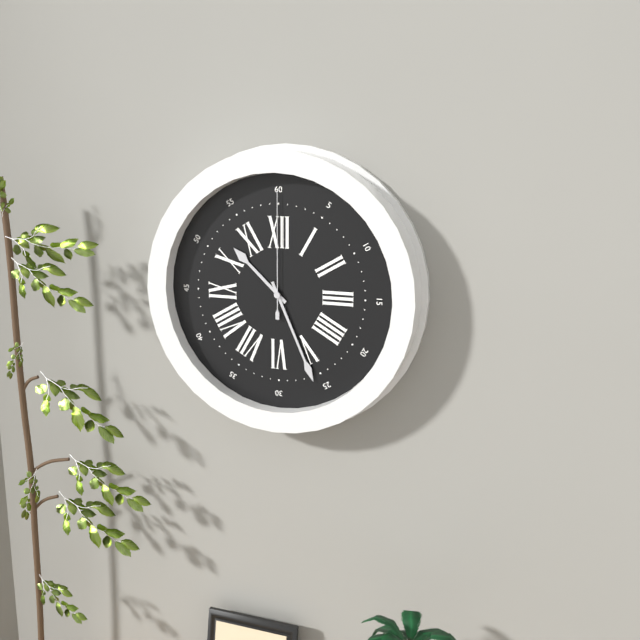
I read h=10 m=26 s=0
